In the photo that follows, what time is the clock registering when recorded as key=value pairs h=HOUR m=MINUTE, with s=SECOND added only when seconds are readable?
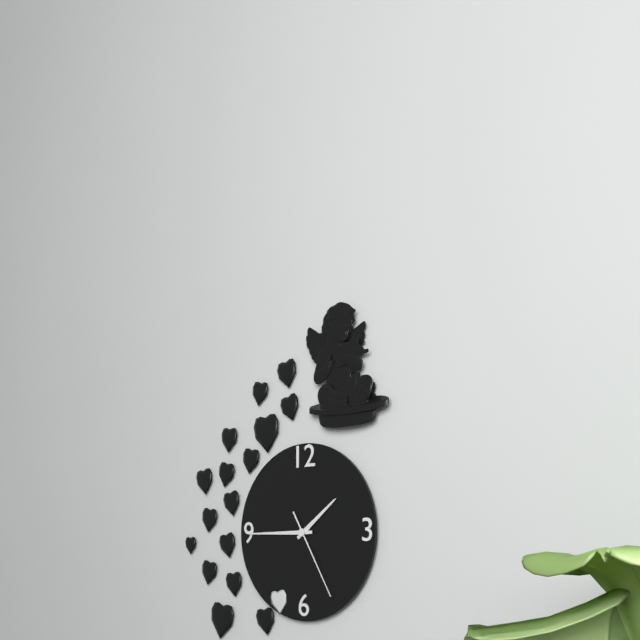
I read h=1 m=45 s=25
